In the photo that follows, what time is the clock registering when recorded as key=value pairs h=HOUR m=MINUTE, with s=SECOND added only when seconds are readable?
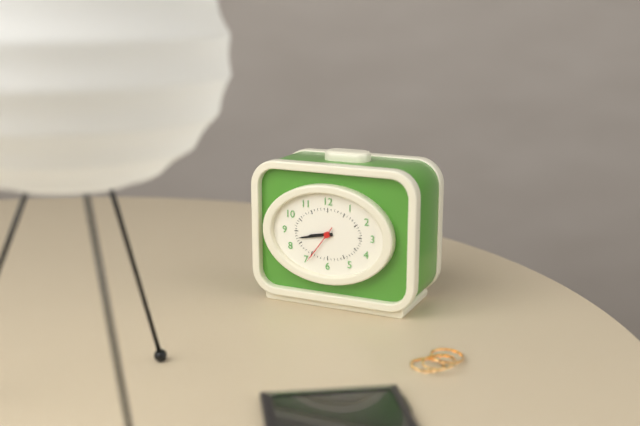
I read h=8 m=43
